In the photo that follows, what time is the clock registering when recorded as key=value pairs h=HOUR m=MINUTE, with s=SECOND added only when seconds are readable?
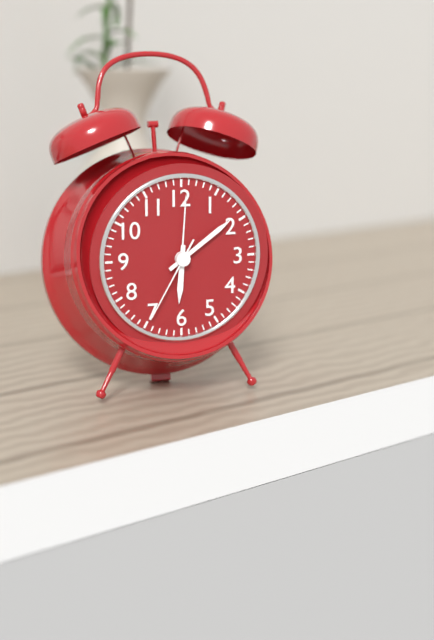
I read h=6 m=9 s=35
